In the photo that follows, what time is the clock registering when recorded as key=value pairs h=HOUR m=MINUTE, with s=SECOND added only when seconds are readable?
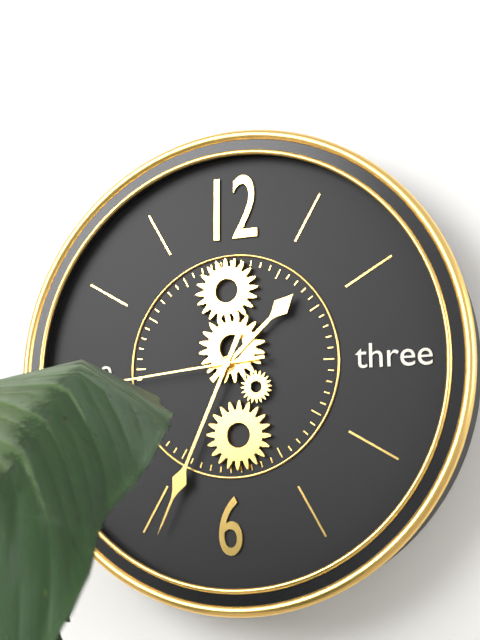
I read h=1 m=34 s=44
